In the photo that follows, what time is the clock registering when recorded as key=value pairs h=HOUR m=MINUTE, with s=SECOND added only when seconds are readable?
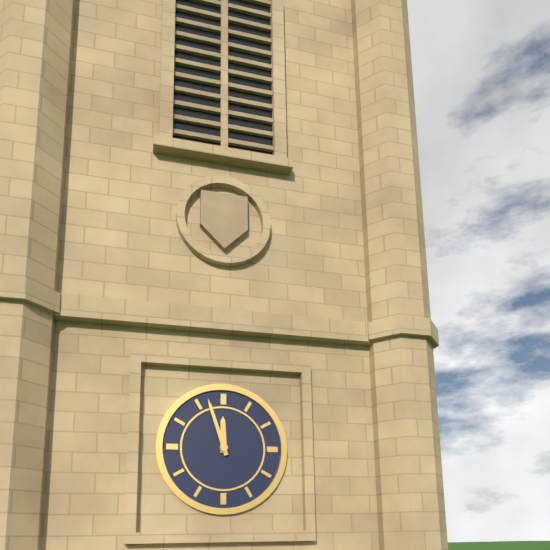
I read h=11 m=57
